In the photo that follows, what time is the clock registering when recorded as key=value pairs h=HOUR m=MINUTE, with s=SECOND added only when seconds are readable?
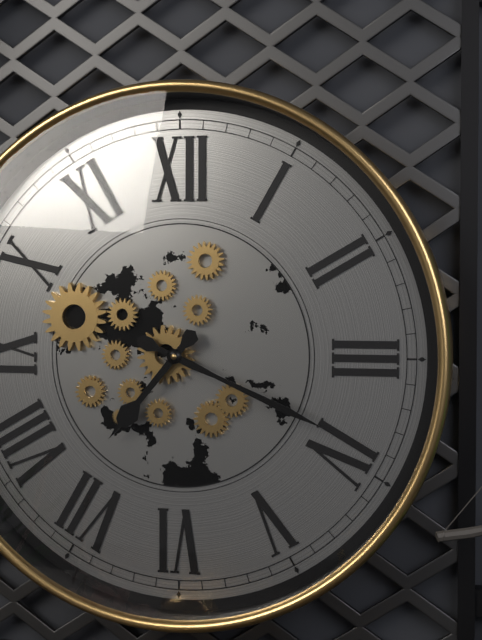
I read h=7 m=19
